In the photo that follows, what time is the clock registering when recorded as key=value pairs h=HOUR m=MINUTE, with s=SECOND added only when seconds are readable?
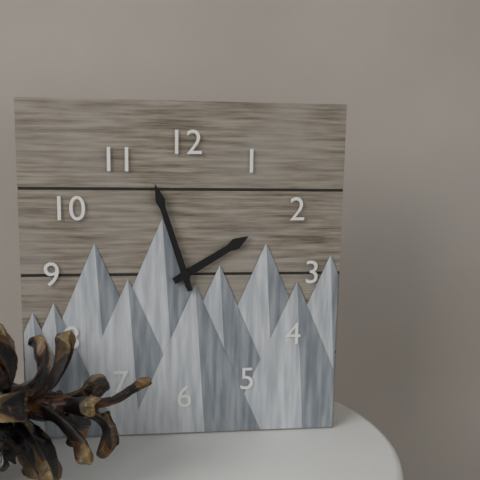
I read h=1 m=57
